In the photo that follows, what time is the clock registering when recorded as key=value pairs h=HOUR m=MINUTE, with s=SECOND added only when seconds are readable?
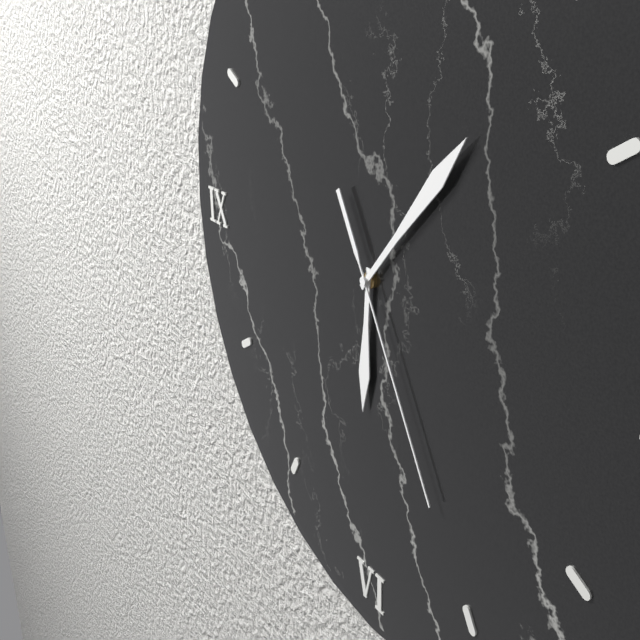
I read h=6 m=7 s=25
